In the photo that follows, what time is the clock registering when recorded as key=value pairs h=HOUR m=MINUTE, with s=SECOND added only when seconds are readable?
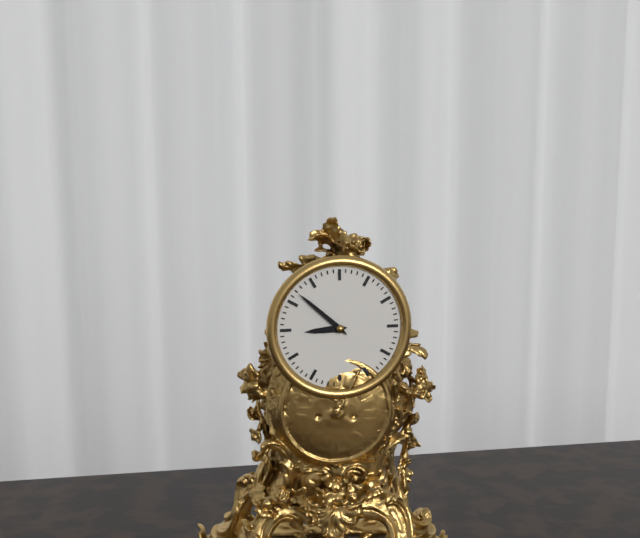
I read h=8 m=52
